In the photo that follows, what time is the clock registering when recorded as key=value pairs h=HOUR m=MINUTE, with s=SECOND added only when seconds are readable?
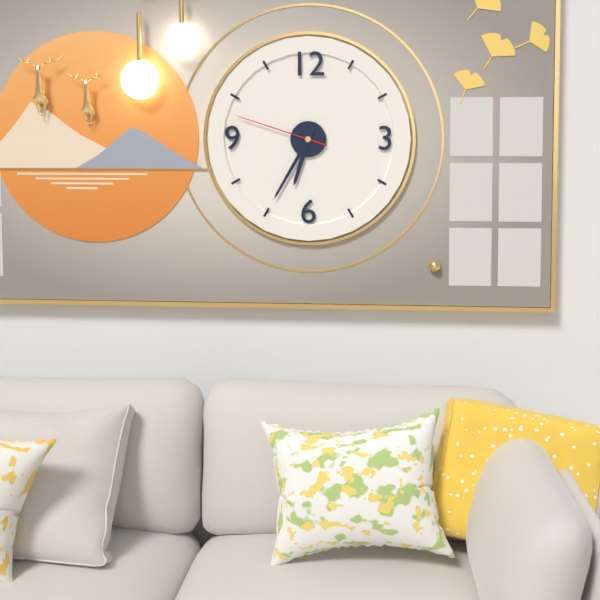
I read h=6 m=35 s=48
